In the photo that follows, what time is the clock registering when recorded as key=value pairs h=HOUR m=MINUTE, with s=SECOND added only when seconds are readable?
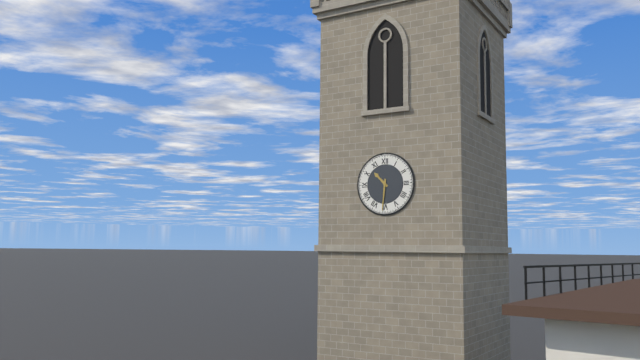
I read h=10 m=31
